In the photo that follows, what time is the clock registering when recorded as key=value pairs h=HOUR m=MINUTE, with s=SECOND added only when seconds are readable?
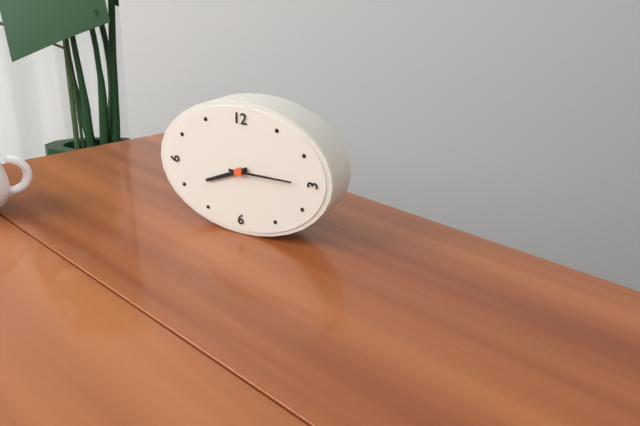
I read h=8 m=15
